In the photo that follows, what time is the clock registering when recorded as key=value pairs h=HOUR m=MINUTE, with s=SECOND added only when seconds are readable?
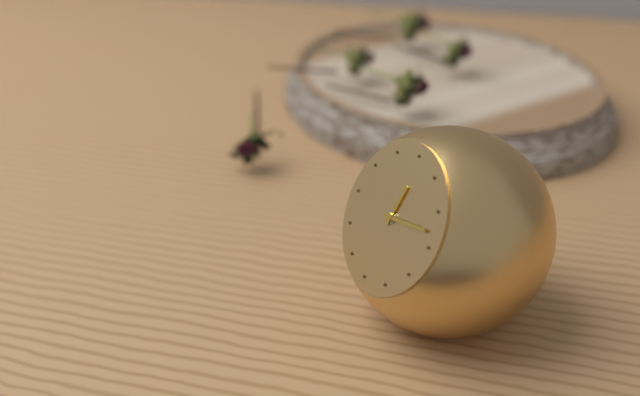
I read h=12 m=13
